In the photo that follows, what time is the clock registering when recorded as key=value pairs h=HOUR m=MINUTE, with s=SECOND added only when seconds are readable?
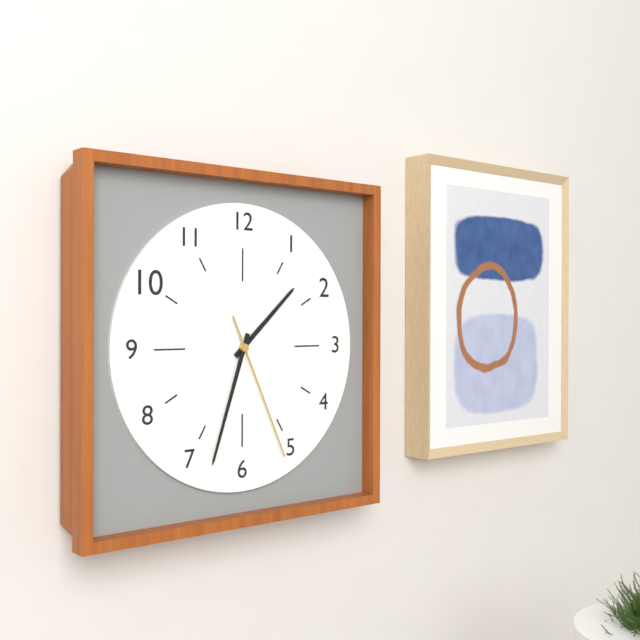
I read h=1 m=33 s=26
